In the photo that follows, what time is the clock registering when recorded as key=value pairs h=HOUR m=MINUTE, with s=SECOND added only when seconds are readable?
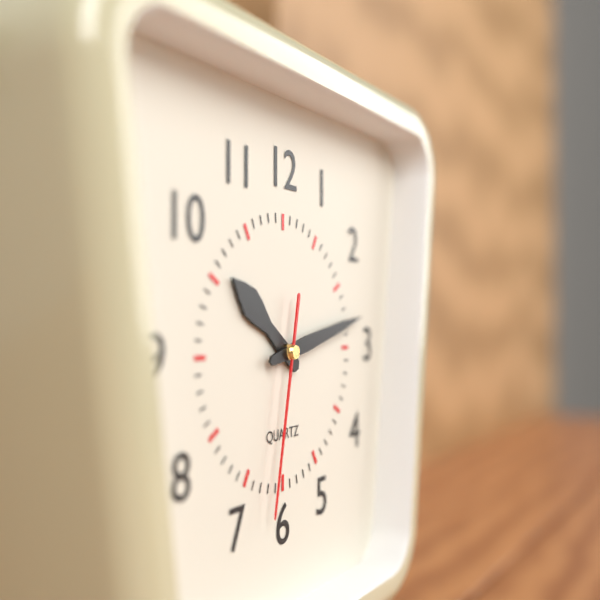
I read h=10 m=13 s=32
